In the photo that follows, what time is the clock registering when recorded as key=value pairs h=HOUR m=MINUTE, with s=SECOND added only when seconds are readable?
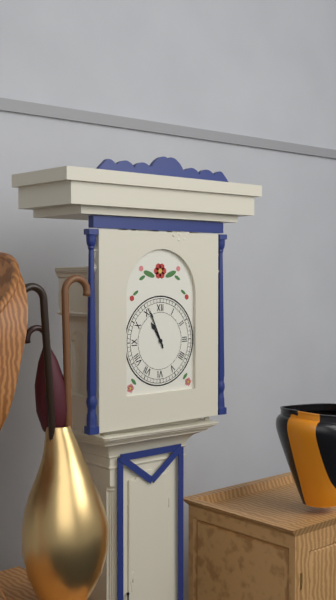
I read h=10 m=56
